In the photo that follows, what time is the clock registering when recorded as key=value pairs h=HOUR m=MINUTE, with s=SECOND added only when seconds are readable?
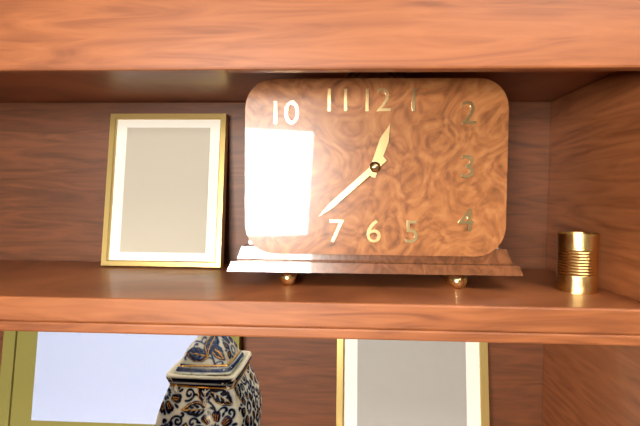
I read h=12 m=38
